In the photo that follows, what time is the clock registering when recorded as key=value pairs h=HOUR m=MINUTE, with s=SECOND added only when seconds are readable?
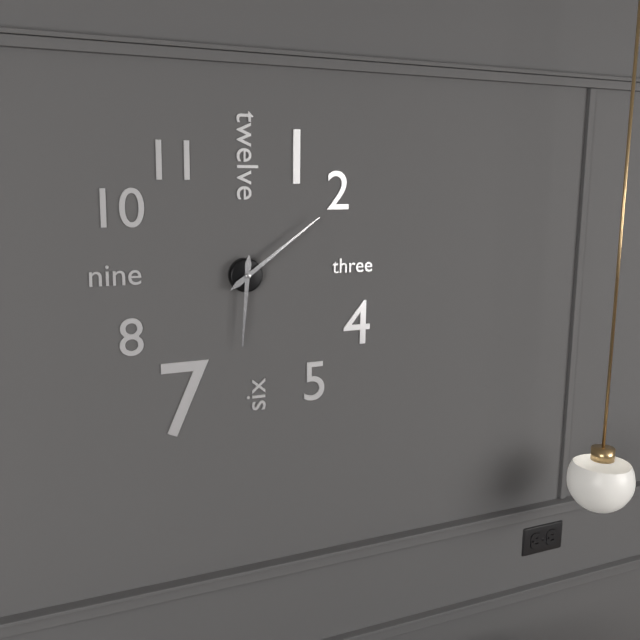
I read h=6 m=9
